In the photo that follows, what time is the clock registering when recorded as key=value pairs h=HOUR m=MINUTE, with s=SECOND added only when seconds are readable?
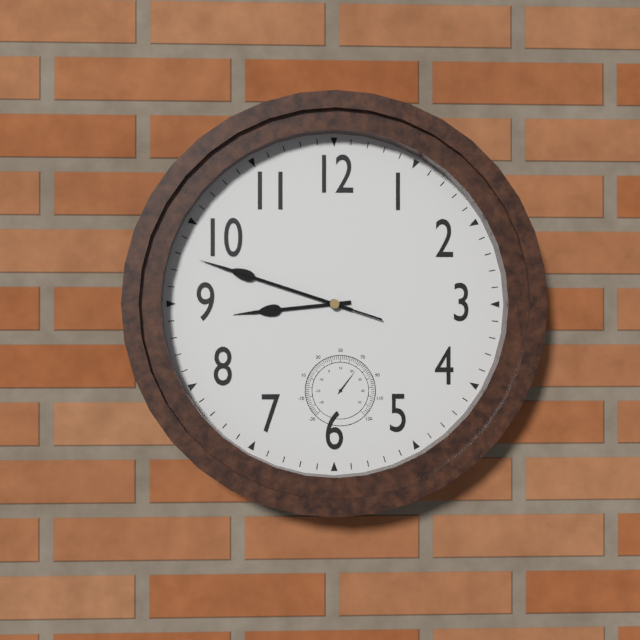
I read h=8 m=48 s=48
